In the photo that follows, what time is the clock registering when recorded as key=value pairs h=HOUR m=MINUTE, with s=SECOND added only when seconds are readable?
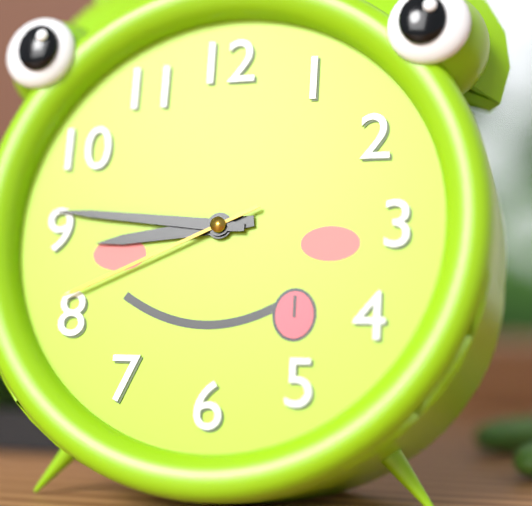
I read h=8 m=46 s=41
